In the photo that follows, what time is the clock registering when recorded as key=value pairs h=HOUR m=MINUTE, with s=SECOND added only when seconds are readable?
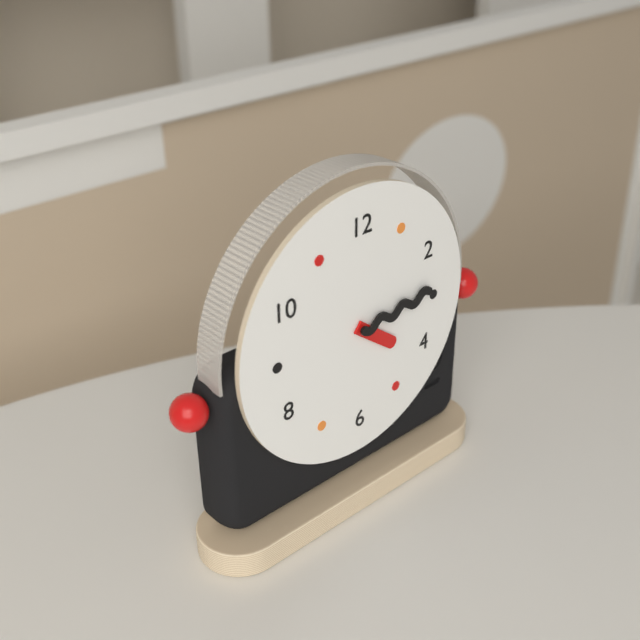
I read h=4 m=14
